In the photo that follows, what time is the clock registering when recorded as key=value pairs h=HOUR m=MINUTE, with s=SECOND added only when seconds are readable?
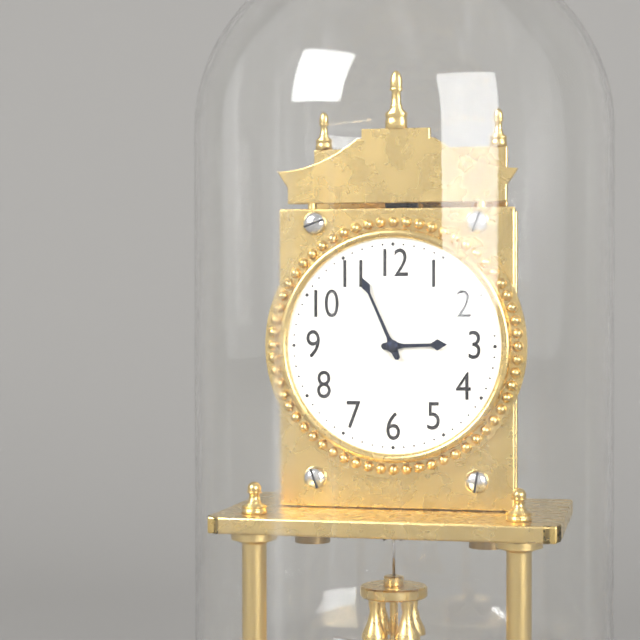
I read h=2 m=56
